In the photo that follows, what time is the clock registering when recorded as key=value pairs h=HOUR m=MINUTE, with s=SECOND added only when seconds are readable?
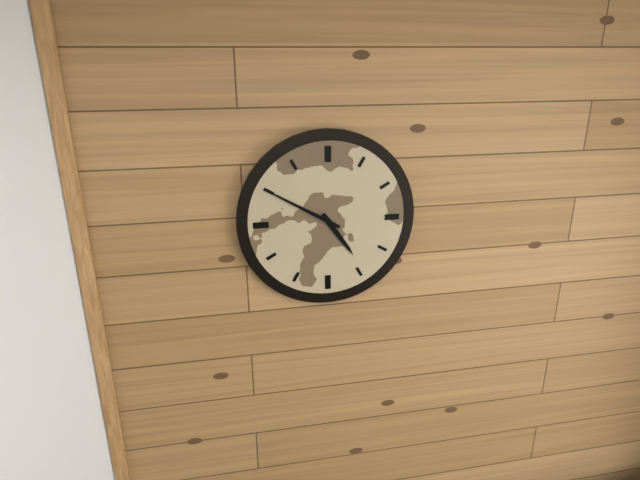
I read h=4 m=50
